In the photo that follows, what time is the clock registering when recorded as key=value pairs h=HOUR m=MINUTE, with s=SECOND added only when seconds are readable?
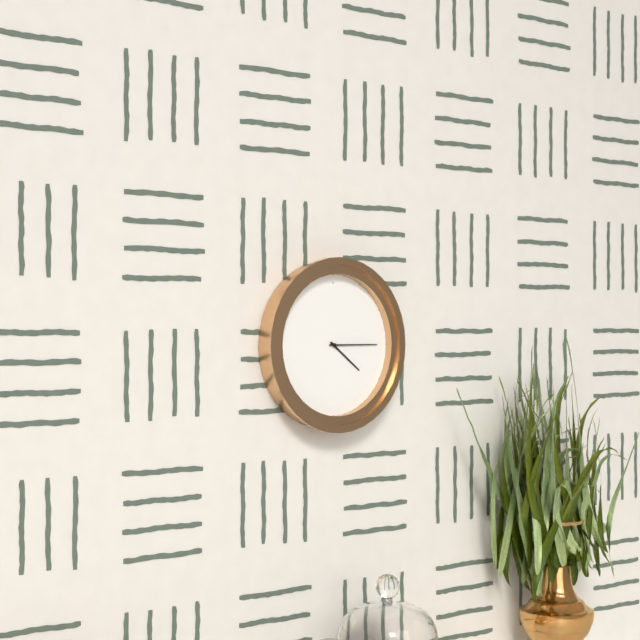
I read h=4 m=15
